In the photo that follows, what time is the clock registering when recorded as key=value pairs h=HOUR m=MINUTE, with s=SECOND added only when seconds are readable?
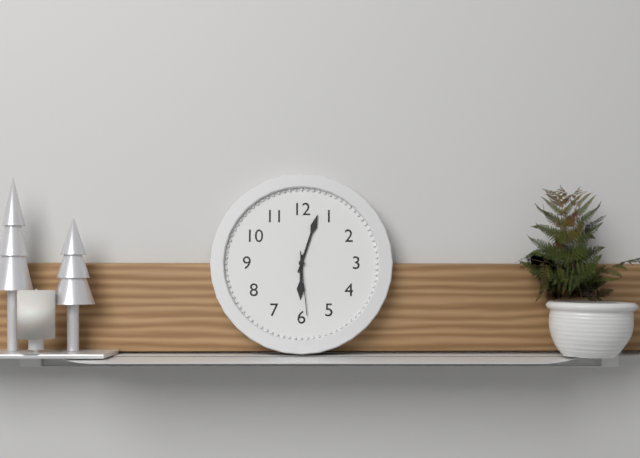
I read h=6 m=3 s=29
